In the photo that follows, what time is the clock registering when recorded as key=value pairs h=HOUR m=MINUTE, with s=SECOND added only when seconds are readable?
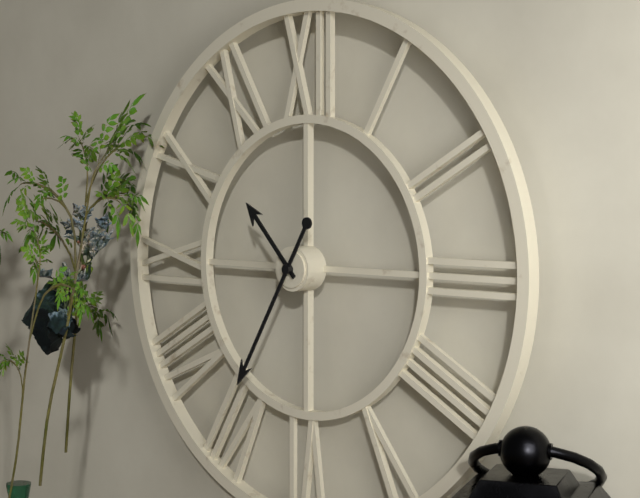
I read h=10 m=35
